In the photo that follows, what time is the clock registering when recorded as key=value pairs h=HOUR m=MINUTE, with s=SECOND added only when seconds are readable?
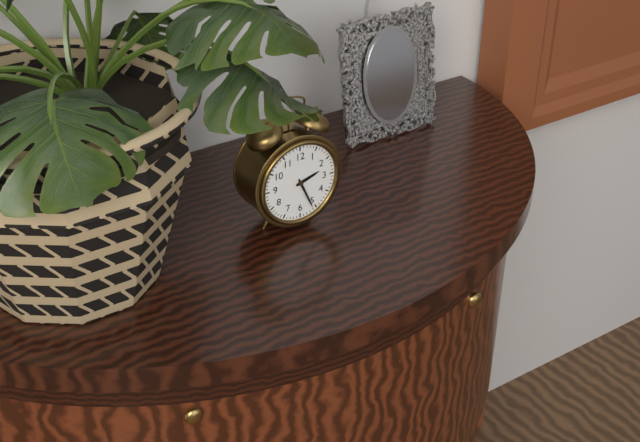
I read h=2 m=26
